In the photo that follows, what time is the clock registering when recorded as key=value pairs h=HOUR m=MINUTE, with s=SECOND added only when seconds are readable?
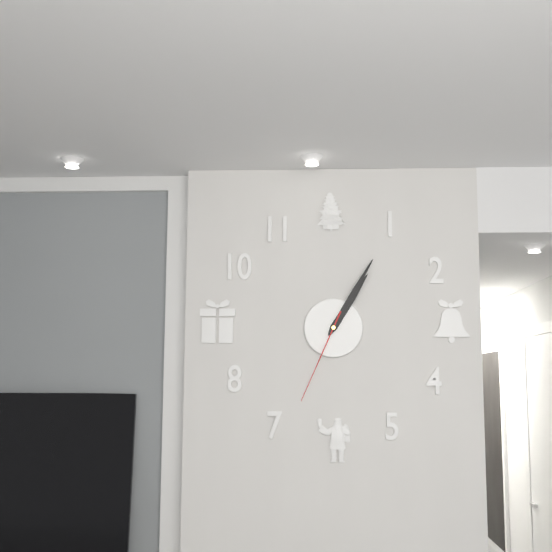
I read h=1 m=5 s=34
